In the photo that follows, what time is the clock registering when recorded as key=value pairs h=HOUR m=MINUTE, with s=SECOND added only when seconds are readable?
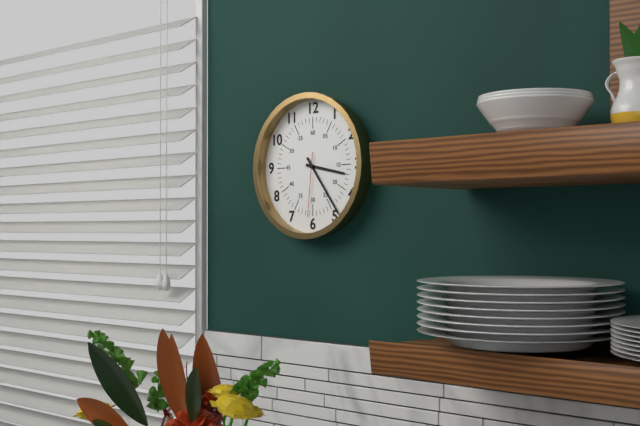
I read h=3 m=24 s=31
